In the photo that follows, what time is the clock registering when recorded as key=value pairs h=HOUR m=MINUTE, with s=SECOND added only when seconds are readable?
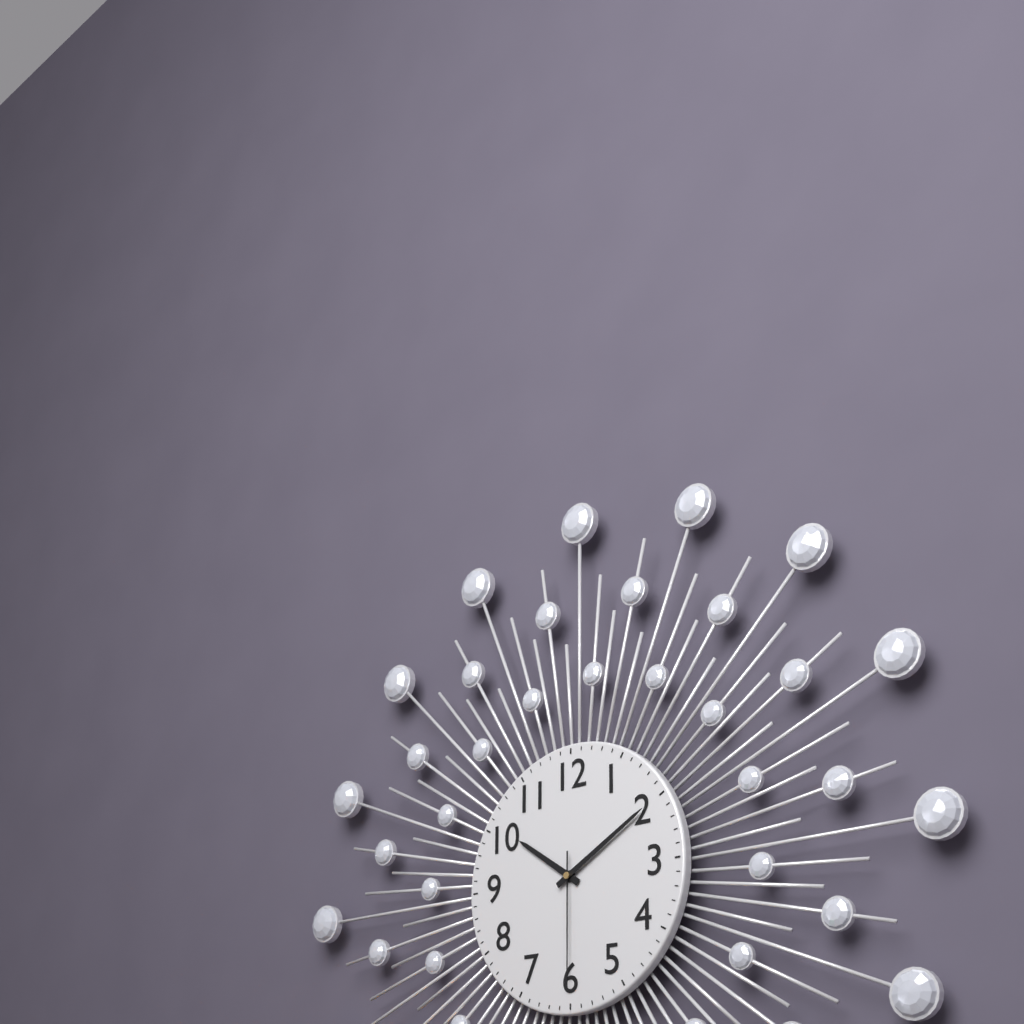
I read h=10 m=10 s=30
